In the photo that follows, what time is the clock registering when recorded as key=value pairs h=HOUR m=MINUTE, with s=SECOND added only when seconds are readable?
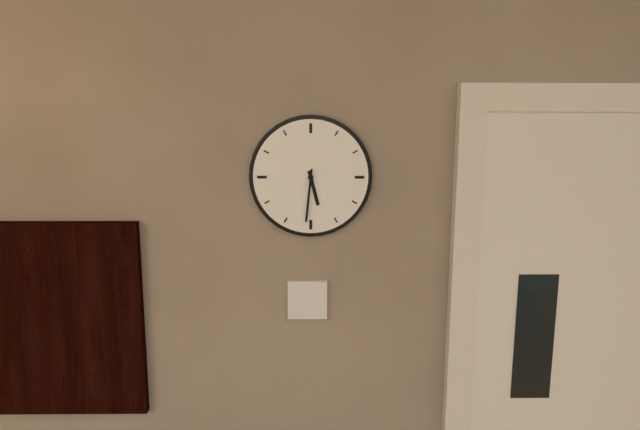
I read h=5 m=31
